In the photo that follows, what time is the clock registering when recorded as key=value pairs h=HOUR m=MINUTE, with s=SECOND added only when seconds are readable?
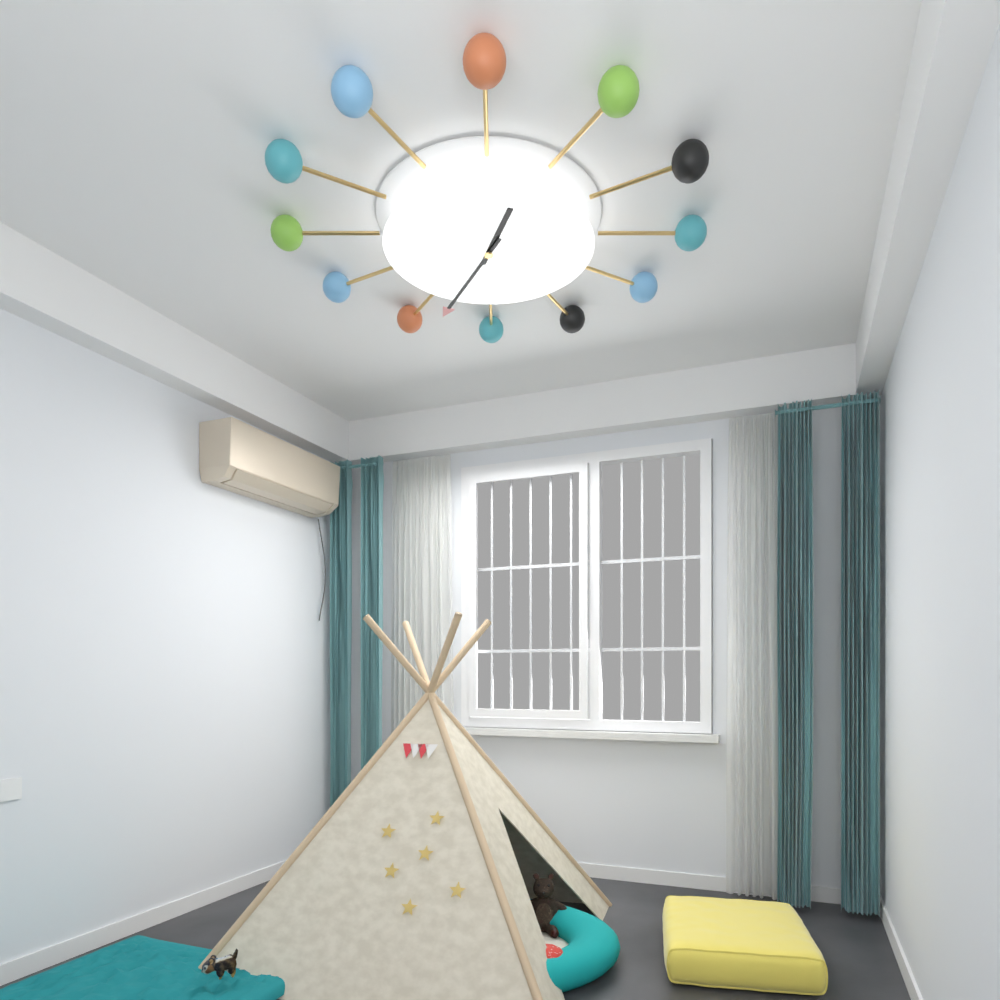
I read h=12 m=34
